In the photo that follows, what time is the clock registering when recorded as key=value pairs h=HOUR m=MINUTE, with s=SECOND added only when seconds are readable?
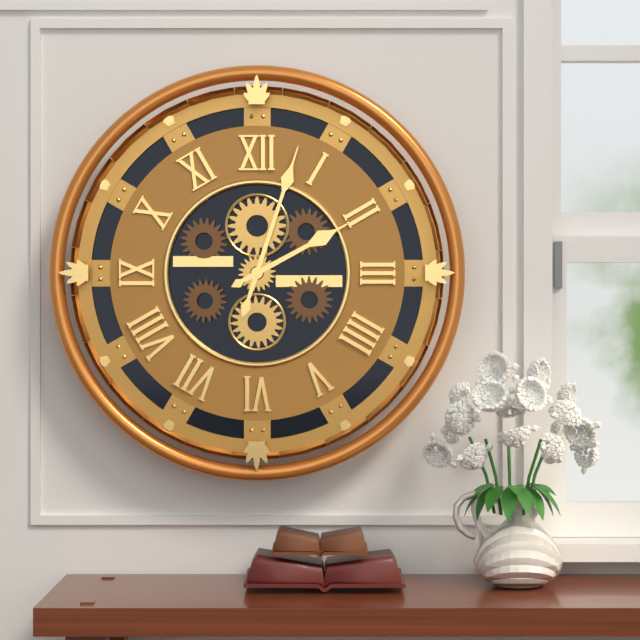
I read h=2 m=3
